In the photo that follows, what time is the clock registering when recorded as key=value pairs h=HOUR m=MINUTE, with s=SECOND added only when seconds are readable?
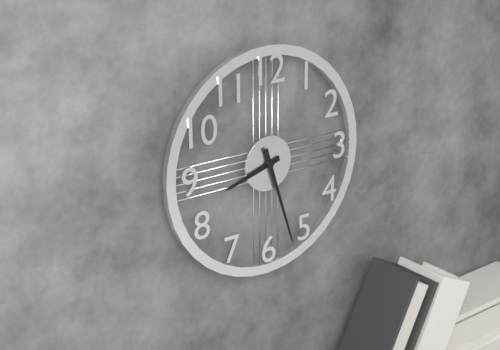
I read h=8 m=27
